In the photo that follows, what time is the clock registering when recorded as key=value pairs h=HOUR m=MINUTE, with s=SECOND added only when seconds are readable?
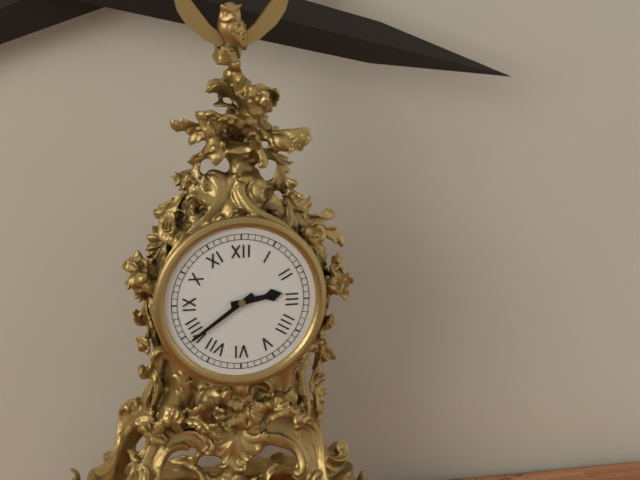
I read h=2 m=39
